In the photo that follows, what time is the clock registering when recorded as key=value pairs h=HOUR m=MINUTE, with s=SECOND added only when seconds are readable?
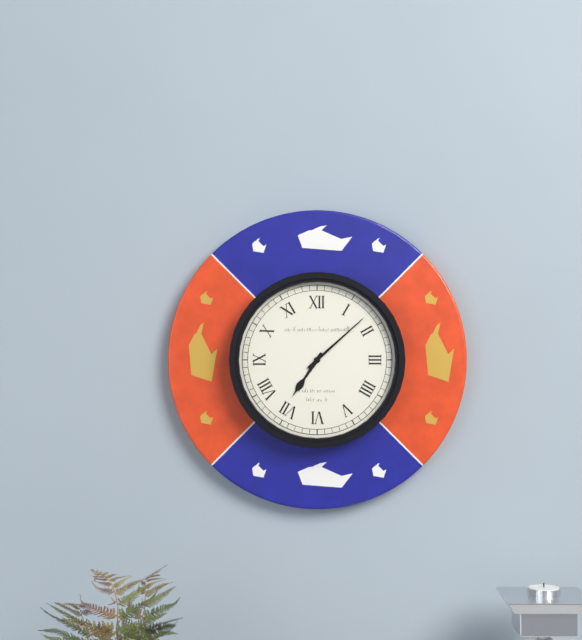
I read h=7 m=8
